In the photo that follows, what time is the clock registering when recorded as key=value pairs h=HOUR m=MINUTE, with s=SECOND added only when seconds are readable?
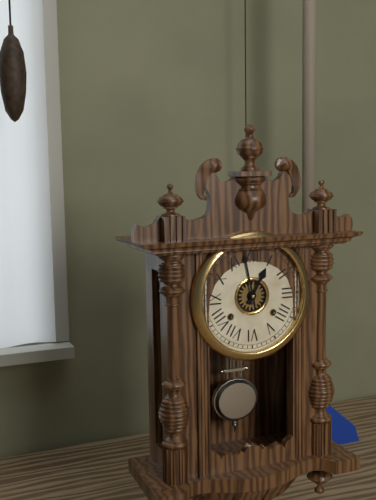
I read h=12 m=58
